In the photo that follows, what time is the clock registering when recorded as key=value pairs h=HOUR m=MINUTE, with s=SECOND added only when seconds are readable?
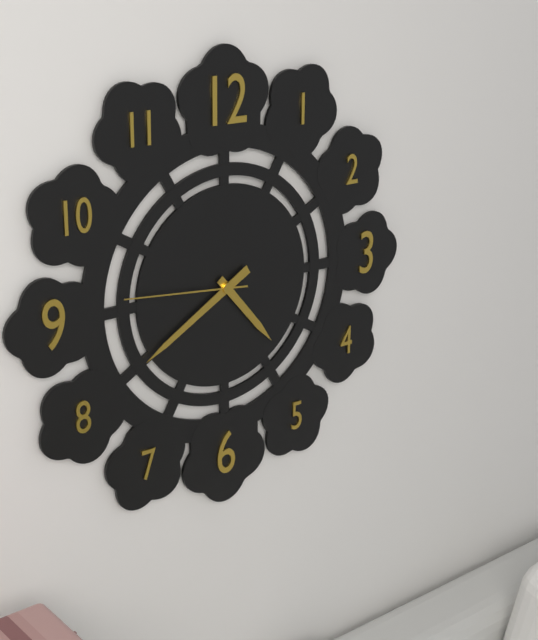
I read h=4 m=40 s=46
